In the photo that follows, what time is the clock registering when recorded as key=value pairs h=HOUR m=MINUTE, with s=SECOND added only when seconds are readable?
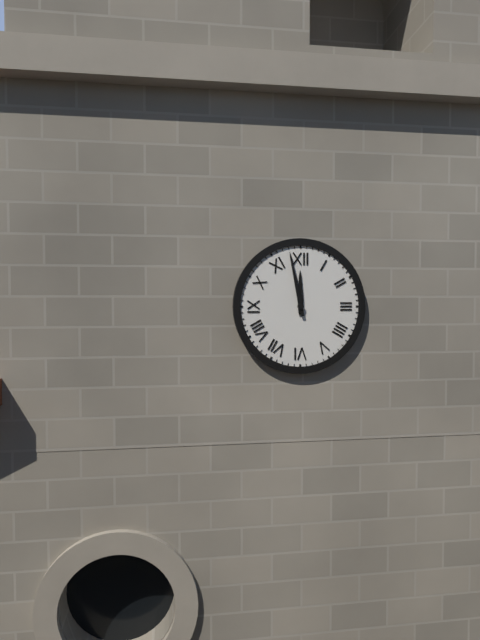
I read h=11 m=58
